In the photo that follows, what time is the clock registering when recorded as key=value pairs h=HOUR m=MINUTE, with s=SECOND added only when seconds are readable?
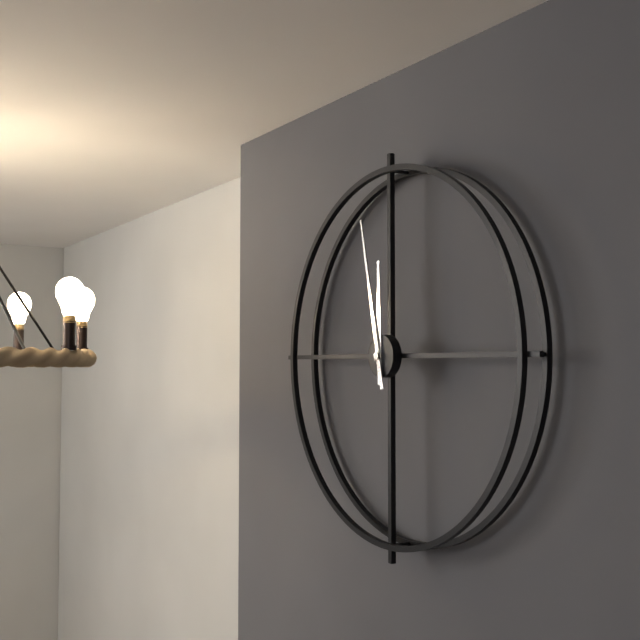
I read h=11 m=58
